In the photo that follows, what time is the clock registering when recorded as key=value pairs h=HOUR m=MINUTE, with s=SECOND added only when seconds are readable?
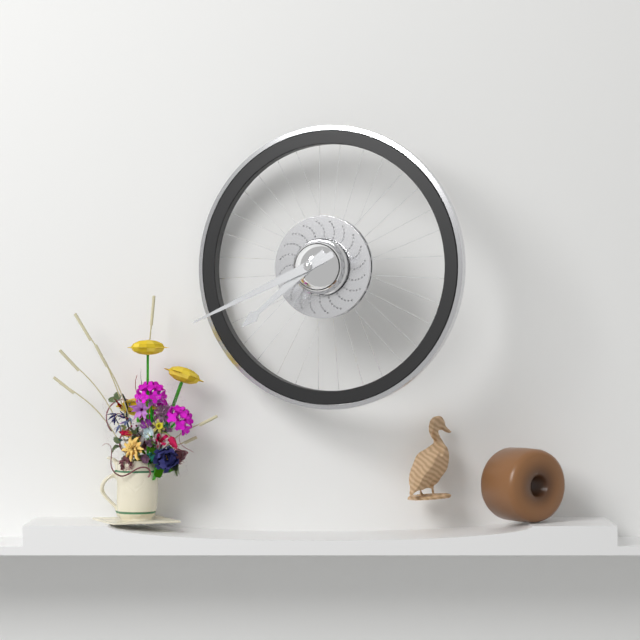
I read h=7 m=41
